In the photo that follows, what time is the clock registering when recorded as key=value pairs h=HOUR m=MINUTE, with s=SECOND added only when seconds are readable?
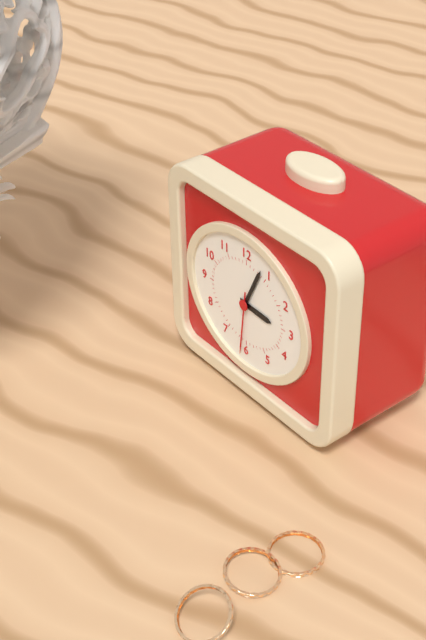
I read h=3 m=4 s=31
